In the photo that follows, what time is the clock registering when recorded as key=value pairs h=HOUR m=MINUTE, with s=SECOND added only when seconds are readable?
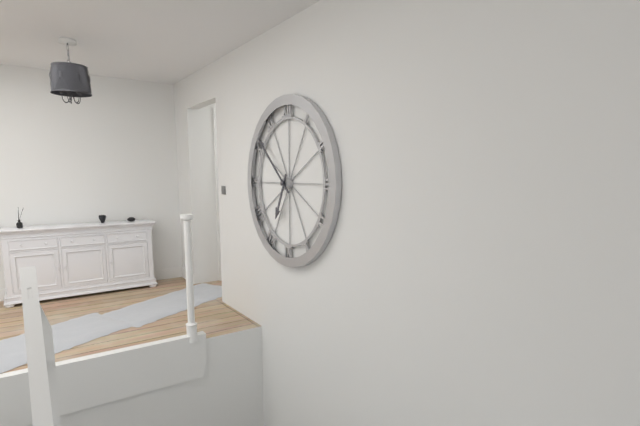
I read h=6 m=52
